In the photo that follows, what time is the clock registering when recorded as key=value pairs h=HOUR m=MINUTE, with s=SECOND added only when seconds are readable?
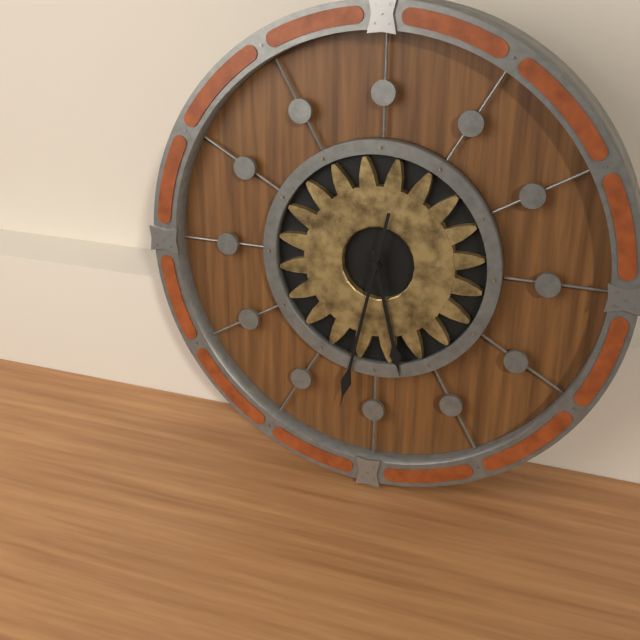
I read h=5 m=32
